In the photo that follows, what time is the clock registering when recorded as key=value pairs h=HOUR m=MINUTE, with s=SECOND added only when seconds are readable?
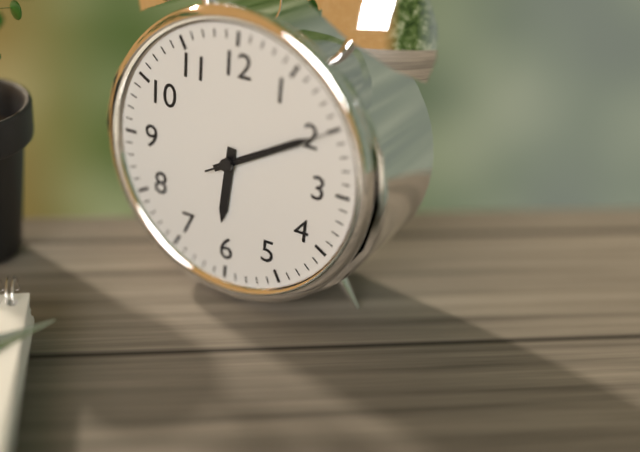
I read h=6 m=10 s=10
